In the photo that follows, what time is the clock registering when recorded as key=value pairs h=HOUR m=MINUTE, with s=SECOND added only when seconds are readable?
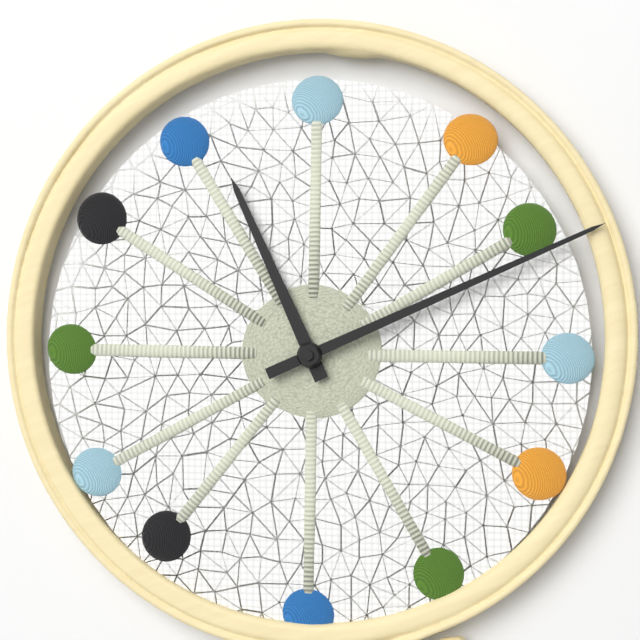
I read h=11 m=11
